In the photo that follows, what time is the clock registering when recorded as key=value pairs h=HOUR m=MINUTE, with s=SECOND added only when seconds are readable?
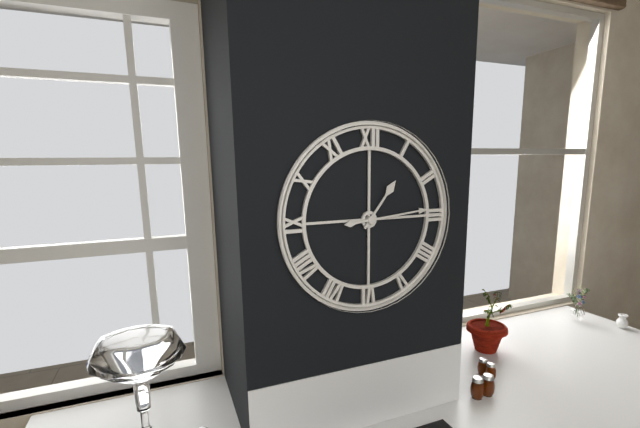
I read h=1 m=14
